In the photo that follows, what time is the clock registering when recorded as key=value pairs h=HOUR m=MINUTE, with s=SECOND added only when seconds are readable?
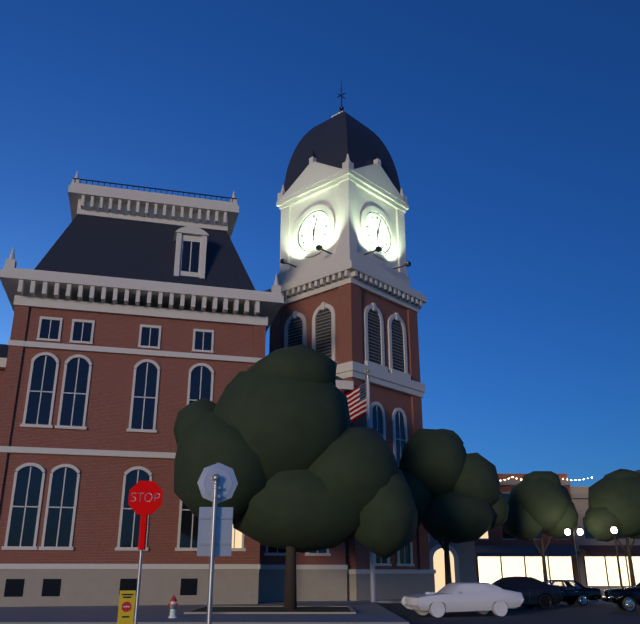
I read h=6 m=3
